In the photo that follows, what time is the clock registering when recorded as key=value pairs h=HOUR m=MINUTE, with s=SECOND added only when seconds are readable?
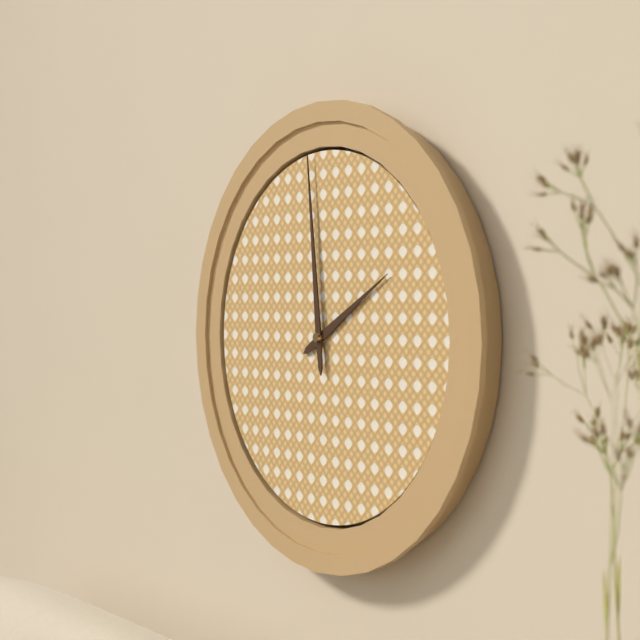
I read h=1 m=59
